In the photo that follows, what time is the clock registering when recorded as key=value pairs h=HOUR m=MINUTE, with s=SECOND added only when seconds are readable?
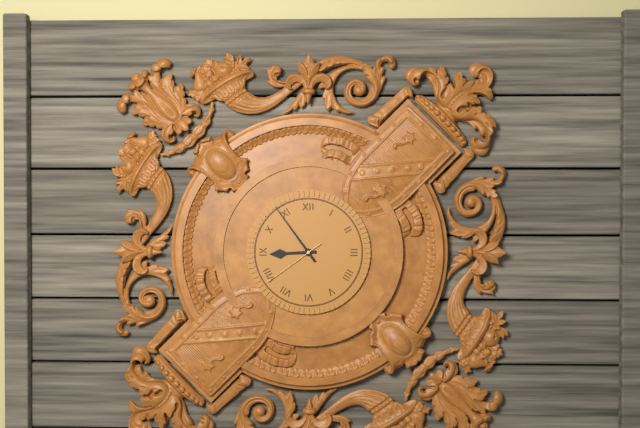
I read h=8 m=54 s=39
